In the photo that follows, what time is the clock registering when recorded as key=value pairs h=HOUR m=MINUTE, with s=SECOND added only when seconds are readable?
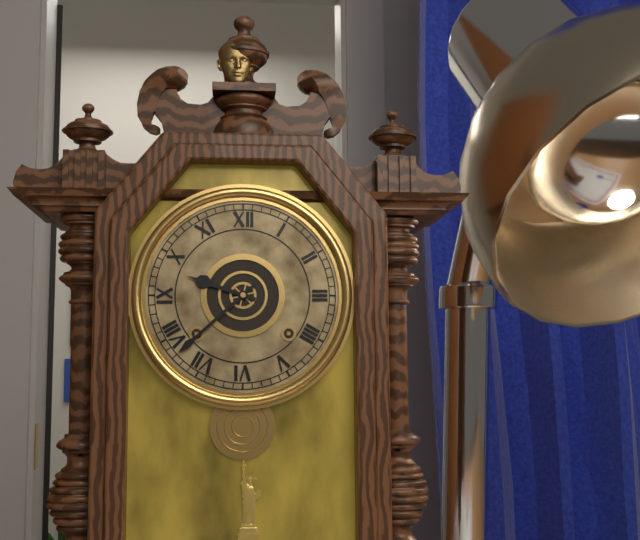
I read h=9 m=38
